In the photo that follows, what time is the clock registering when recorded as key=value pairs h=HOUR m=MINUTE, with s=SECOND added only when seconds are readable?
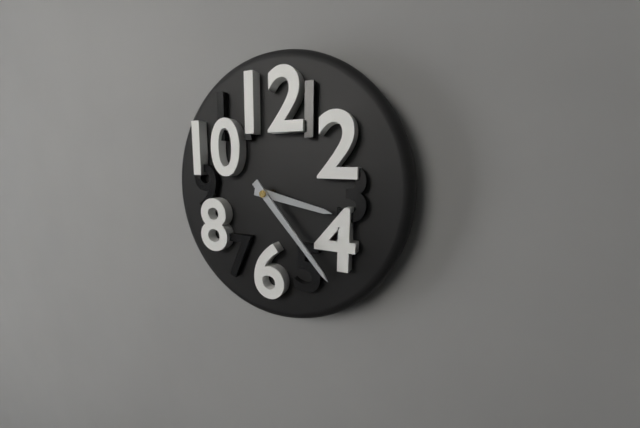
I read h=3 m=23
